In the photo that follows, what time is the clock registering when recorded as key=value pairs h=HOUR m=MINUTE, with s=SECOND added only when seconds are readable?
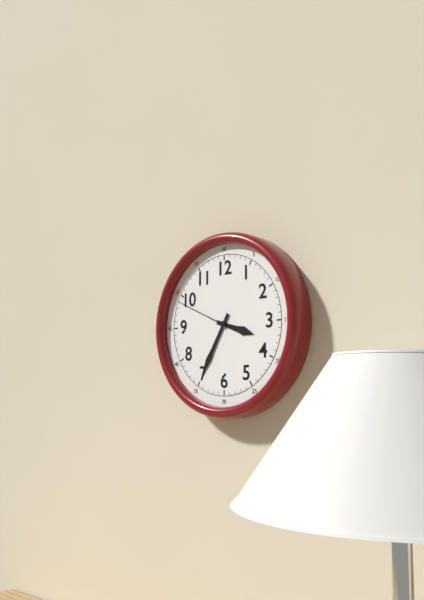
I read h=3 m=35 s=49
